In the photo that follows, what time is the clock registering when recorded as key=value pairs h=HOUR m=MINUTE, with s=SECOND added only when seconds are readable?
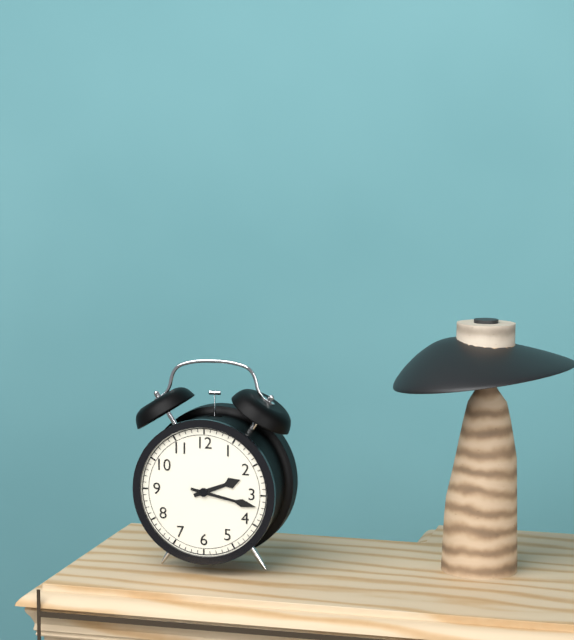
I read h=2 m=17
